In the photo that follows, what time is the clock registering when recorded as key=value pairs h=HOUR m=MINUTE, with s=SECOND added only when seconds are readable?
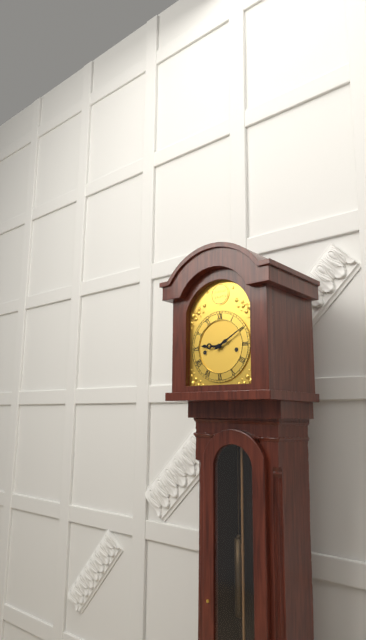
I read h=9 m=10
